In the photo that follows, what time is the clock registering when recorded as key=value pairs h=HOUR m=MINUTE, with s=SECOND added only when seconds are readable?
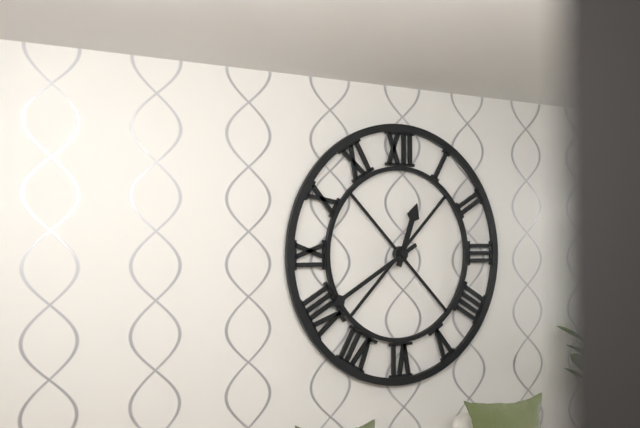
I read h=12 m=40
